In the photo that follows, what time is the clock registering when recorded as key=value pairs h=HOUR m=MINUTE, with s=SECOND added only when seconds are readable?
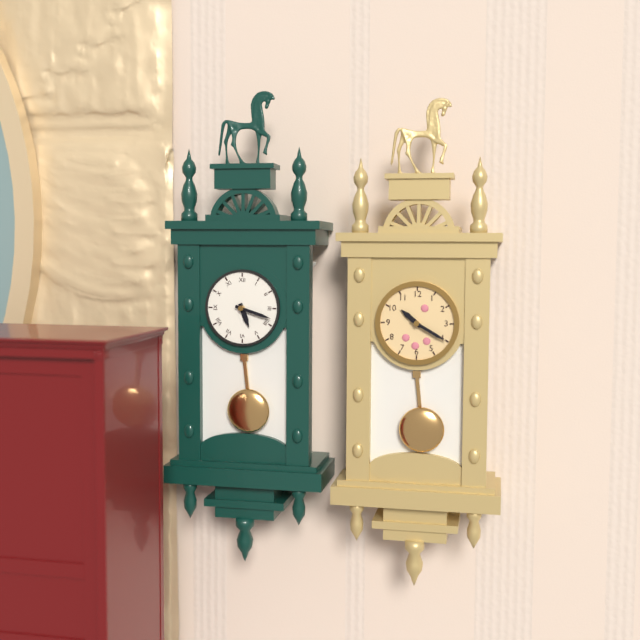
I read h=5 m=18
